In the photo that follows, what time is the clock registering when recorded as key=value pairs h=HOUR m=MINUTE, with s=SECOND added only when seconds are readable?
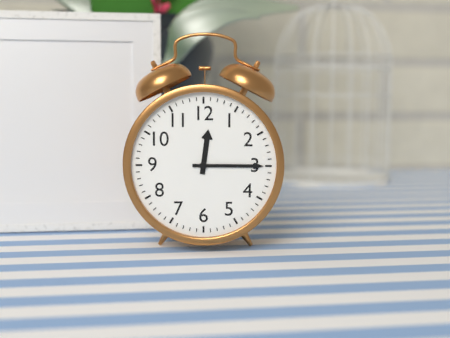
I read h=12 m=15
